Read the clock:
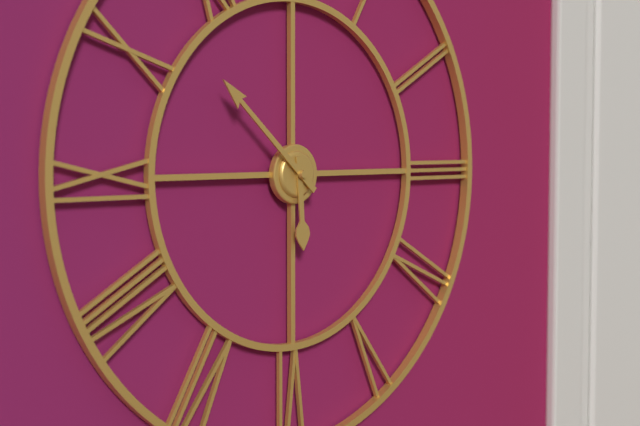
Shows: 5:52
